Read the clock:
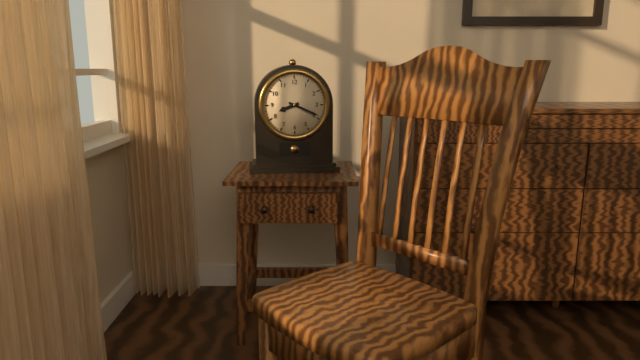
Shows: 8:19
